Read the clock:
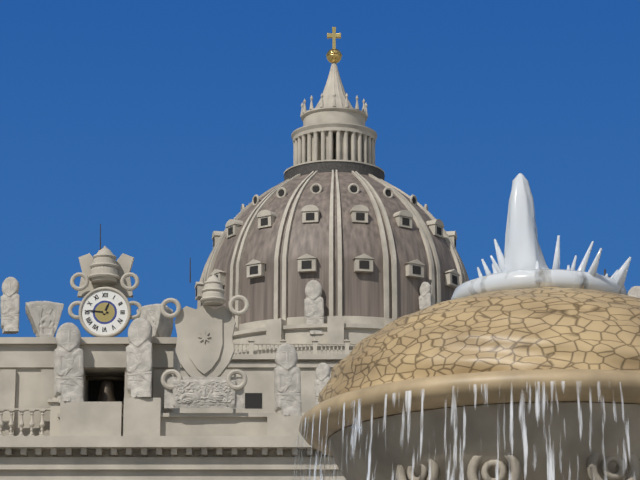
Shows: 12:46
